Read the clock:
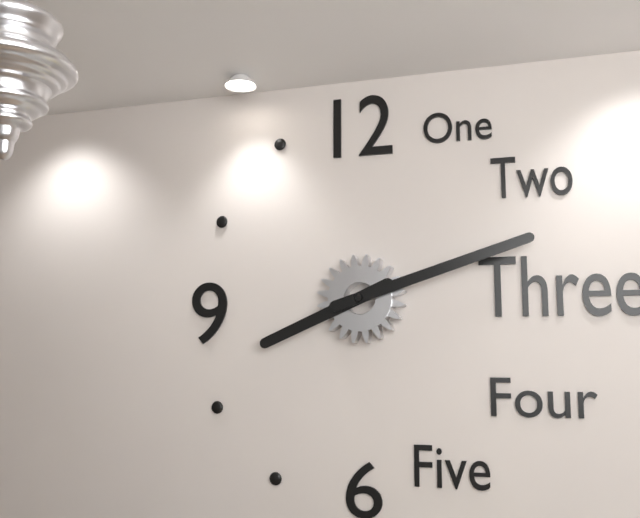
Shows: 8:12
